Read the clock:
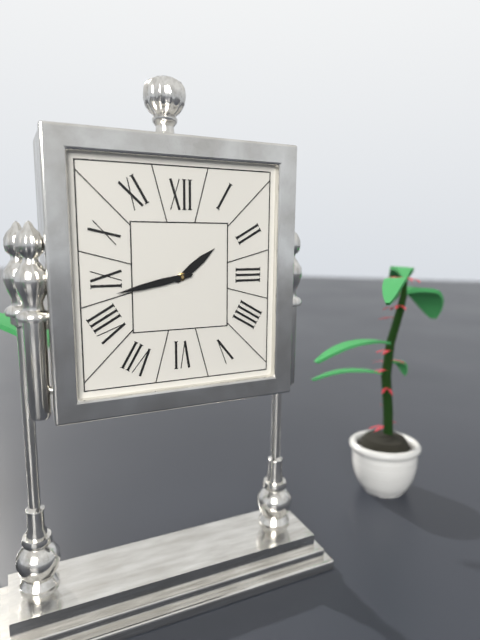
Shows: 1:43
